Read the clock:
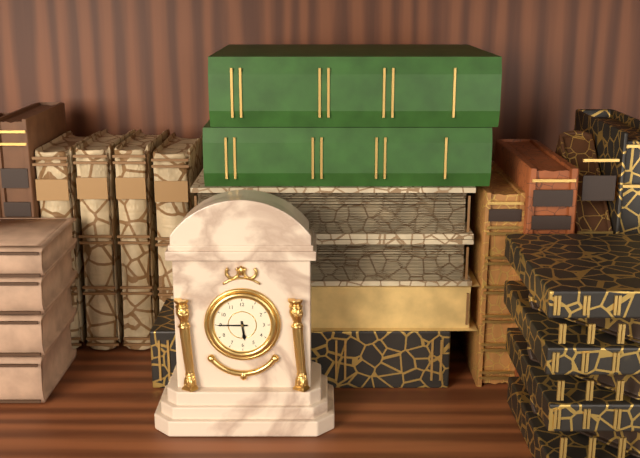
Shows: 5:45
